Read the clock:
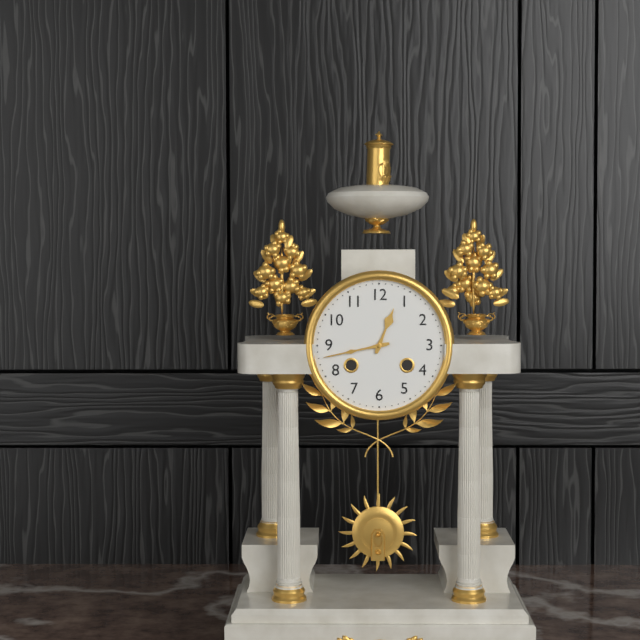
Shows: 12:43
